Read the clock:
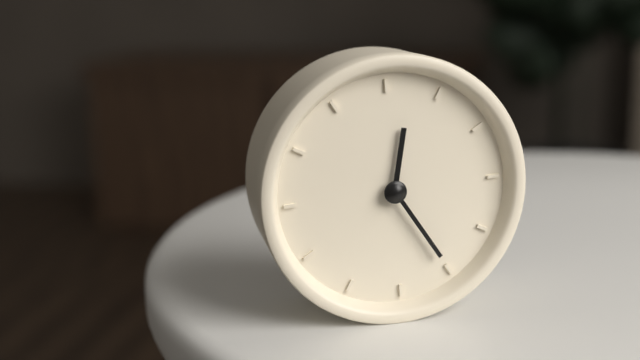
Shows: 12:25
